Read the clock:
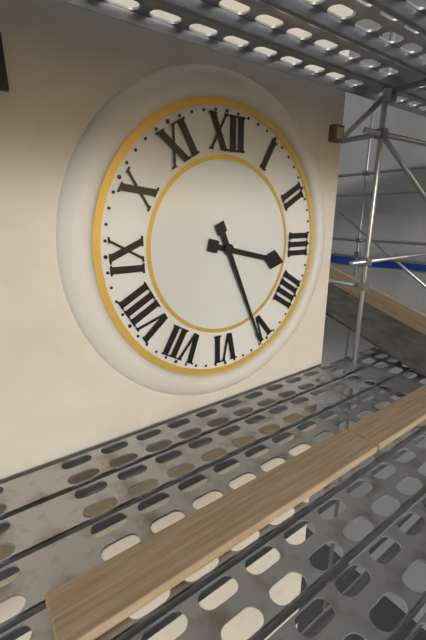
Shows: 3:26
